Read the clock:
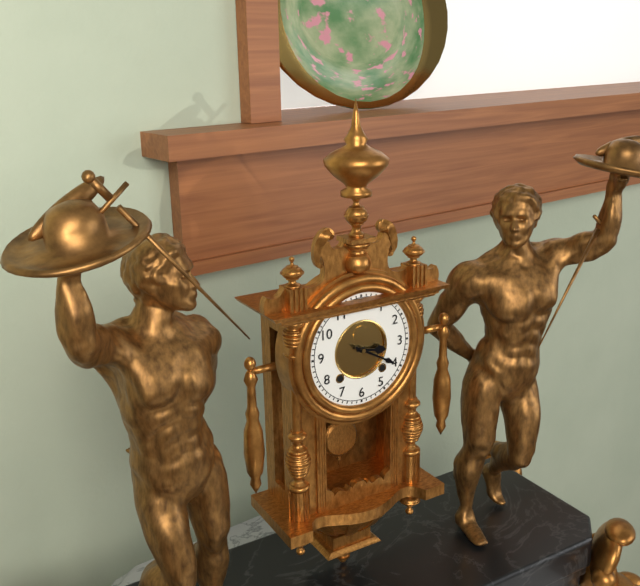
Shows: 3:20
